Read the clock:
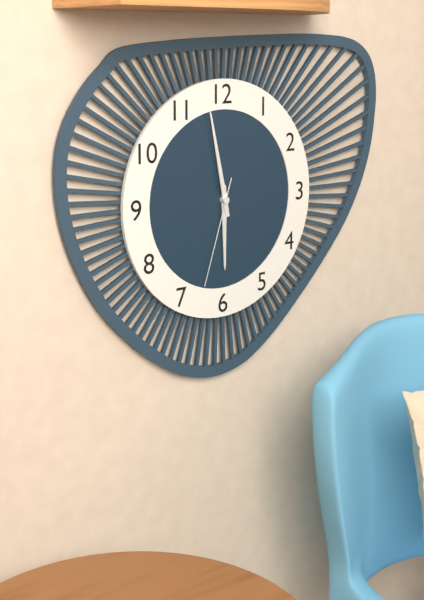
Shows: 5:58:33
